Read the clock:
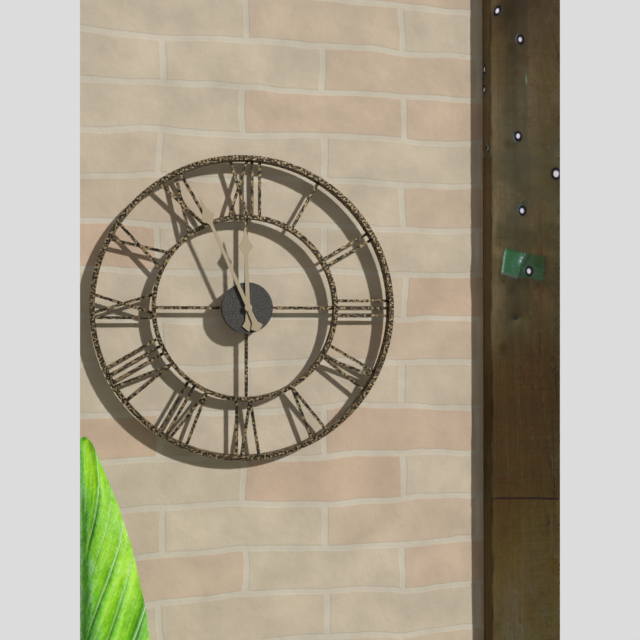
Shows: 11:56
